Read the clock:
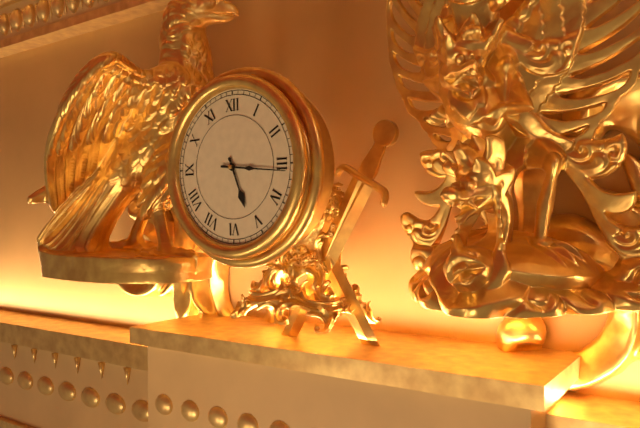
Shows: 5:16
